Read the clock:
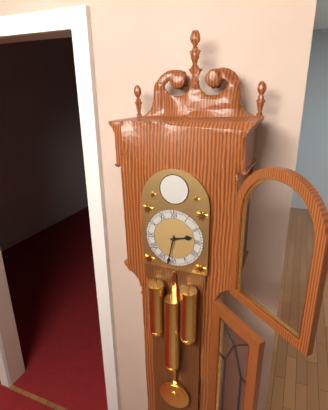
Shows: 2:32
